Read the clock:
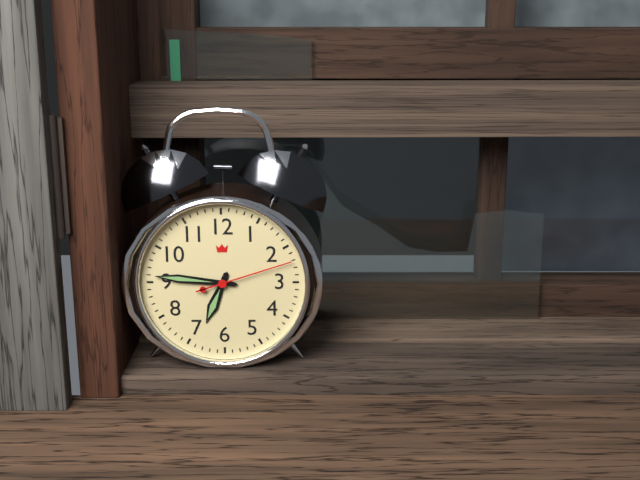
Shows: 6:46:12
